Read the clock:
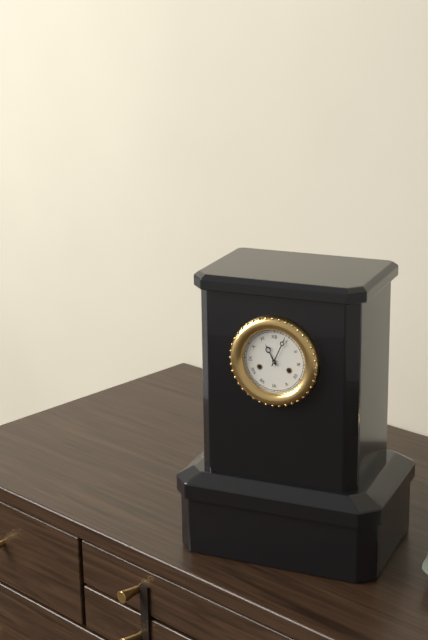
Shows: 11:04
